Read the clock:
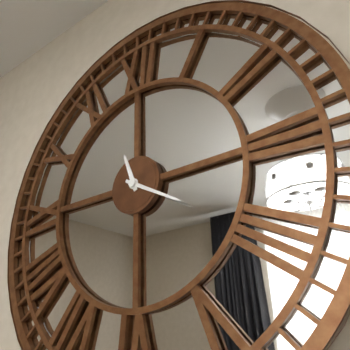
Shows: 11:20
